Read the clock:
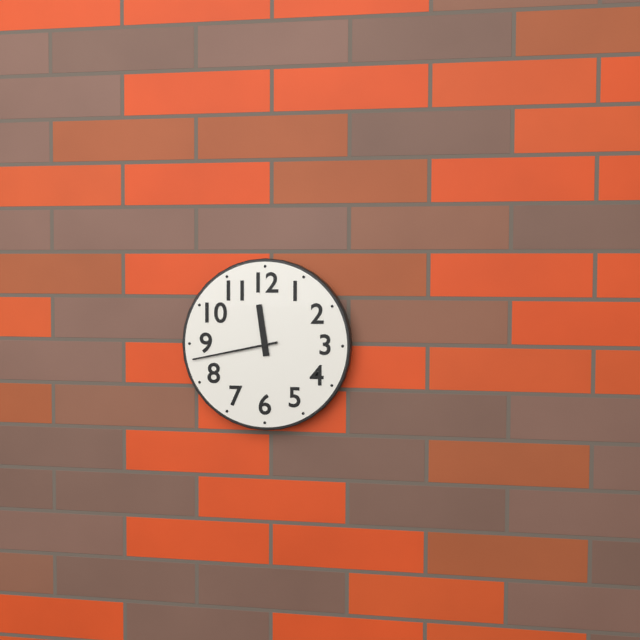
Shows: 11:43
